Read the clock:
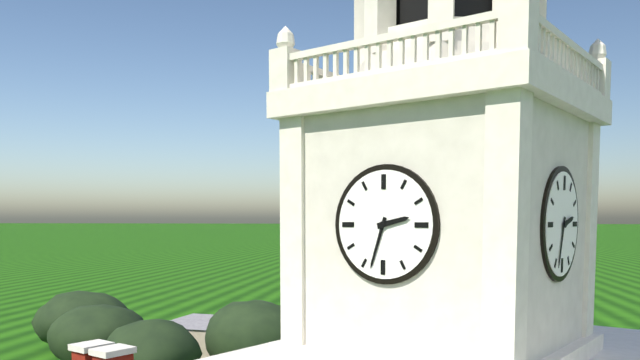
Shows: 2:33
